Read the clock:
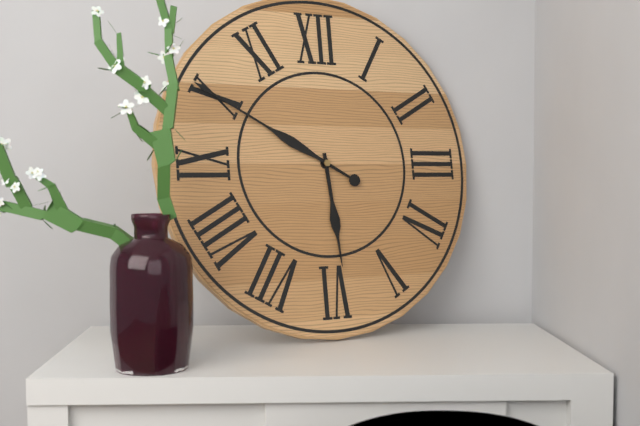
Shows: 5:50
